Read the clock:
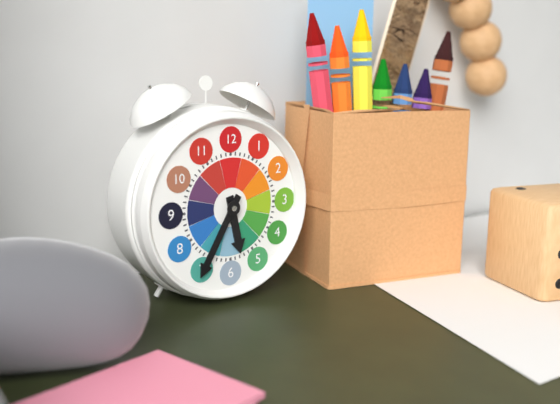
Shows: 5:35
